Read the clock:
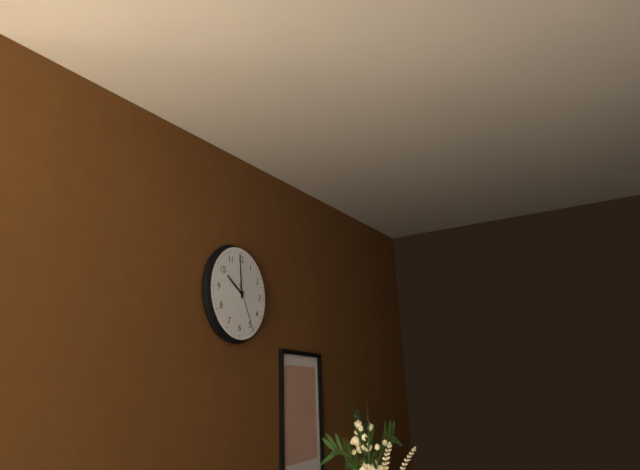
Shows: 9:59
